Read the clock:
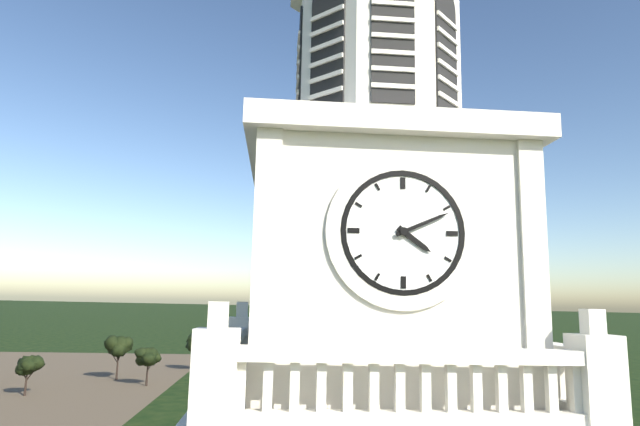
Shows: 4:11
